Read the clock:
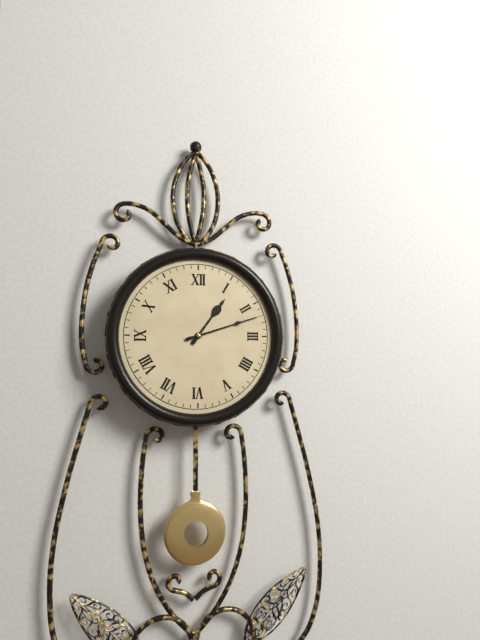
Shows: 1:12
